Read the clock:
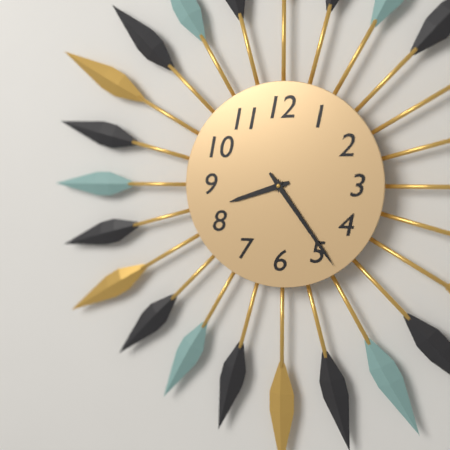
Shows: 8:24
